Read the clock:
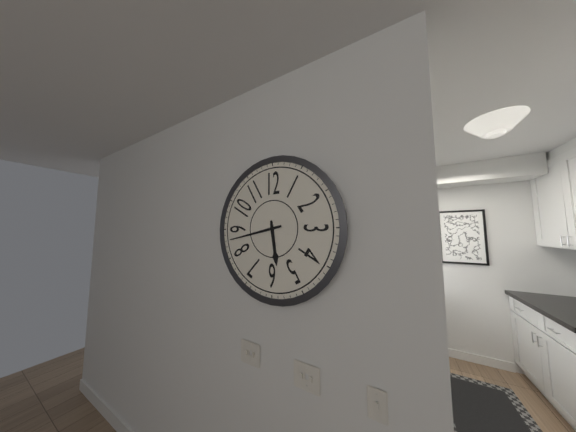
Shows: 5:43
